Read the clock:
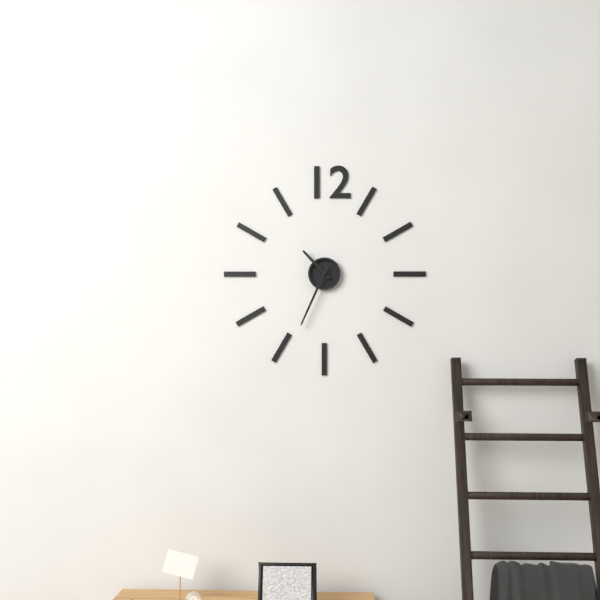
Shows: 10:34
